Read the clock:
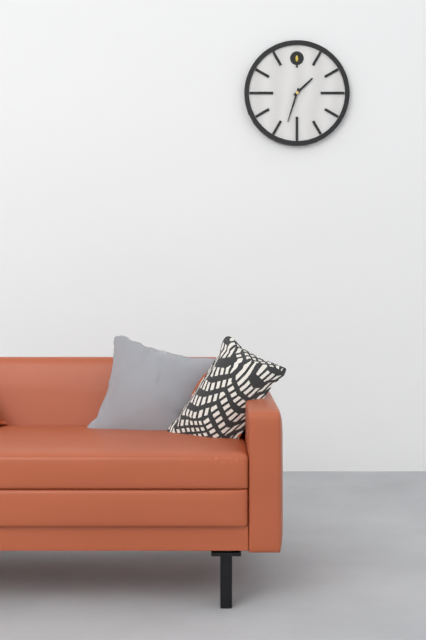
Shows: 1:33
